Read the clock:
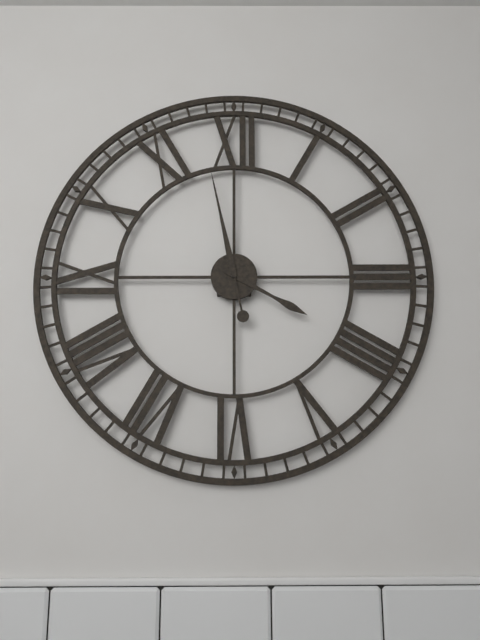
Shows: 3:58
